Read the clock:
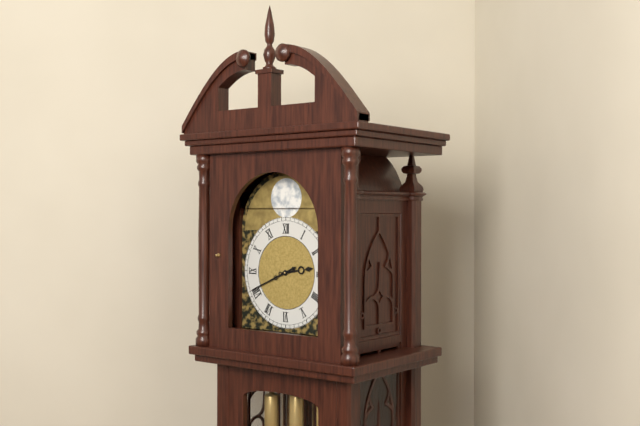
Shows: 2:41
